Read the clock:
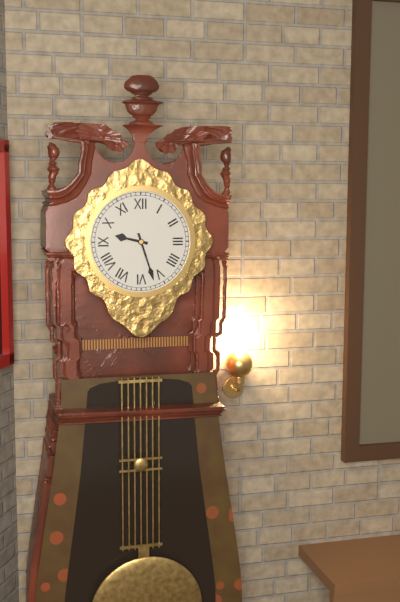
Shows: 9:27
